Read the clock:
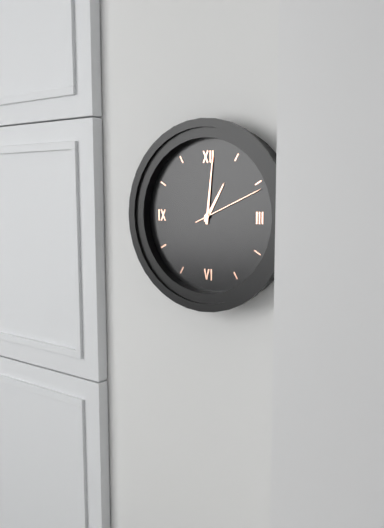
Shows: 1:01:11
